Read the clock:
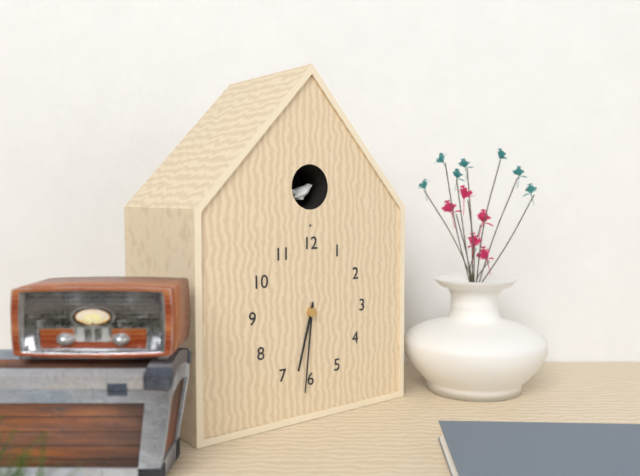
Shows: 6:31
